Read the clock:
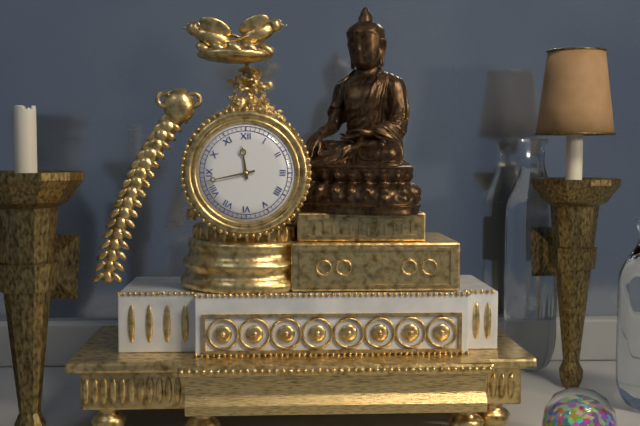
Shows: 11:43
